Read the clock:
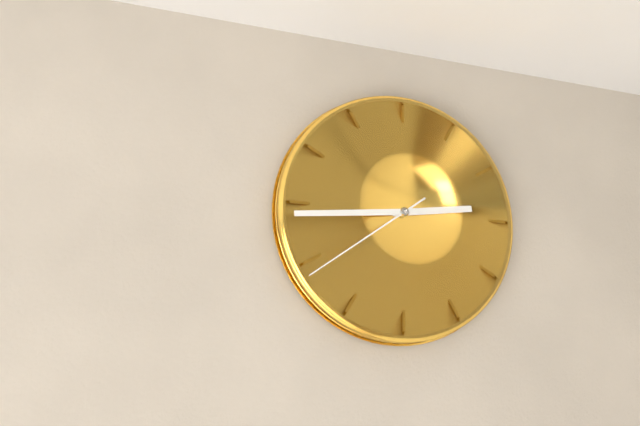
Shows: 2:44:39
